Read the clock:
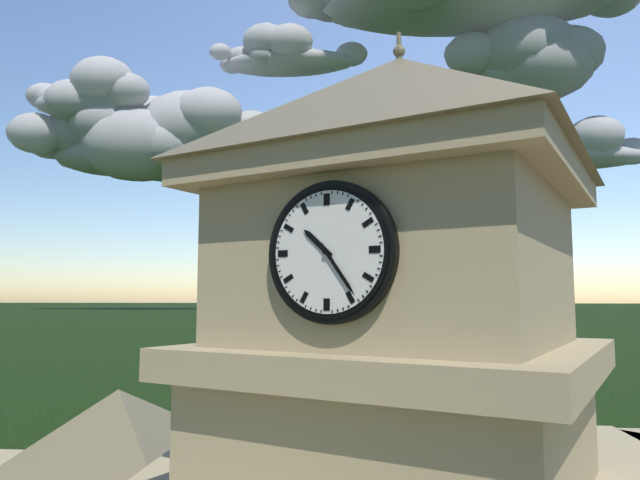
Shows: 10:24
